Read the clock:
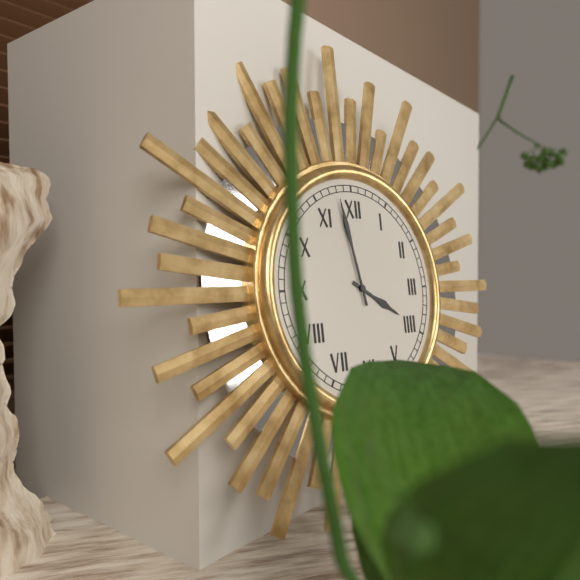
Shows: 3:58
